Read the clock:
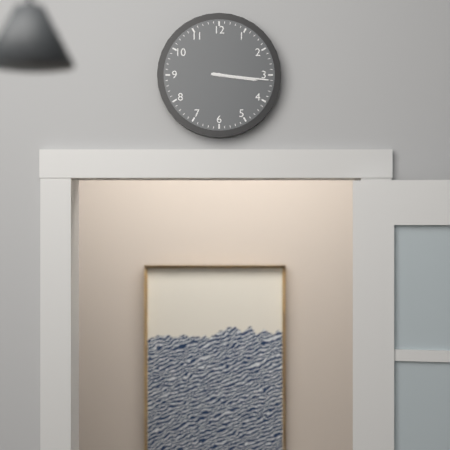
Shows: 3:16
